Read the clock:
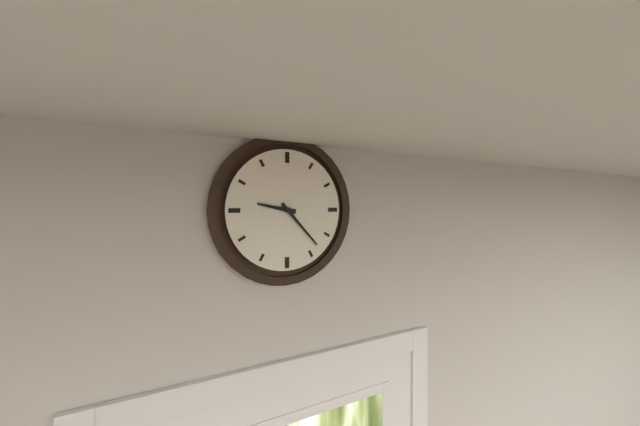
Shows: 9:23
